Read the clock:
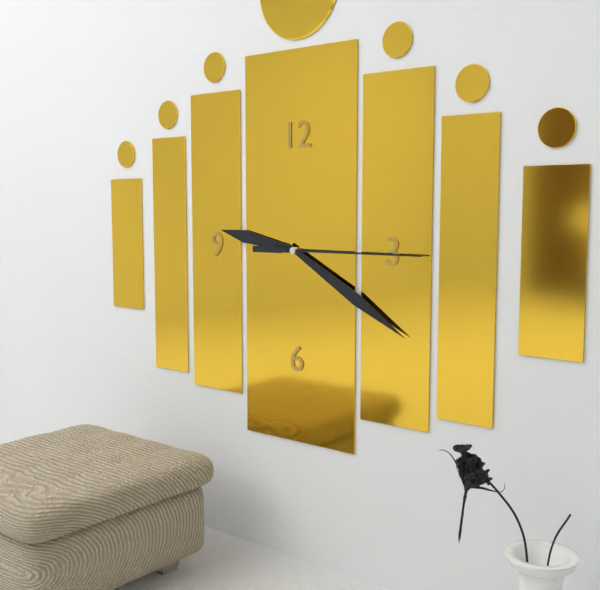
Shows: 9:20:15
